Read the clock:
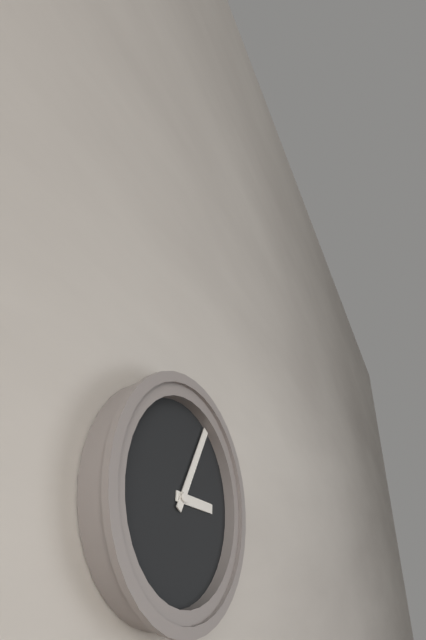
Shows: 3:05
